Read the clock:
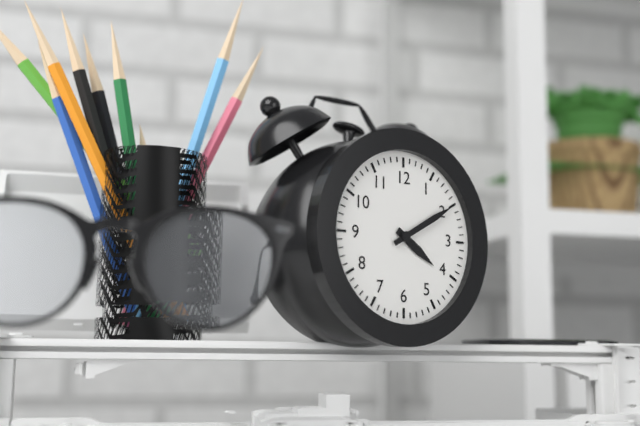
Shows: 4:10
